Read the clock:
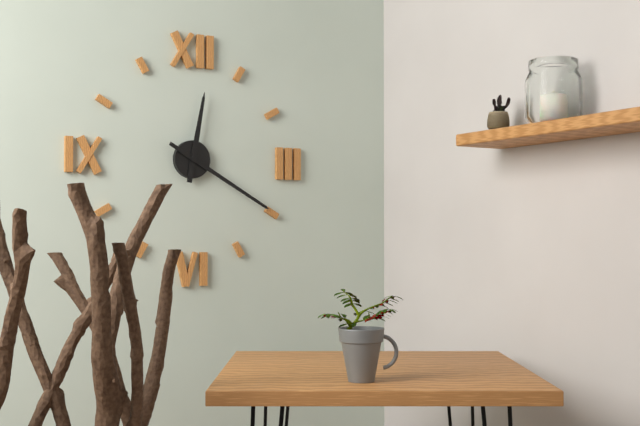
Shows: 12:20
